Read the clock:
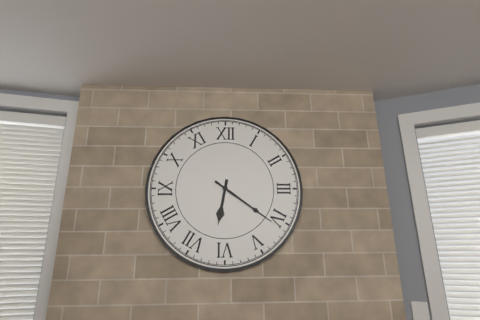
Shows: 6:21
